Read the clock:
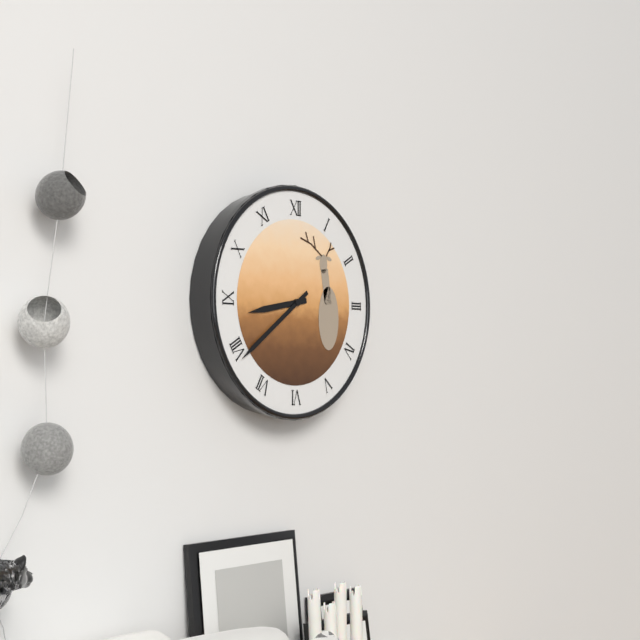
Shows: 8:39
